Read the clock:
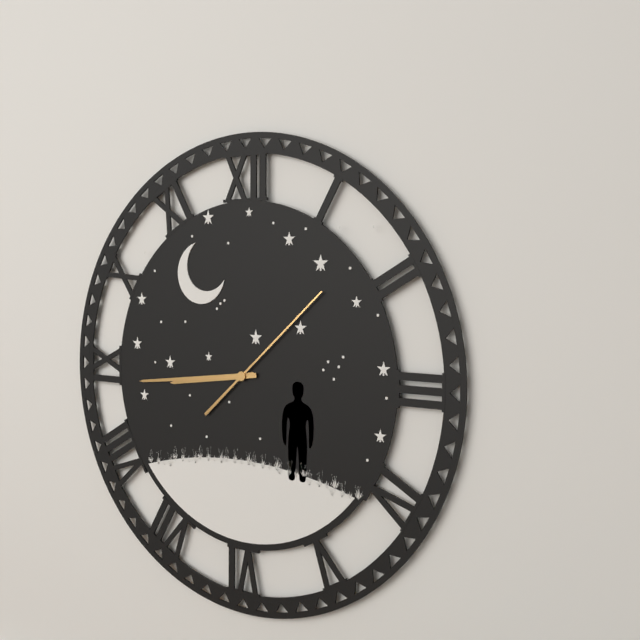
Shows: 8:44:08
